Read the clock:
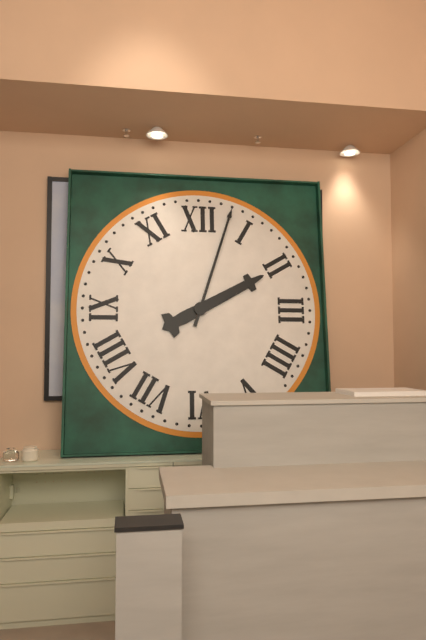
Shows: 2:03
